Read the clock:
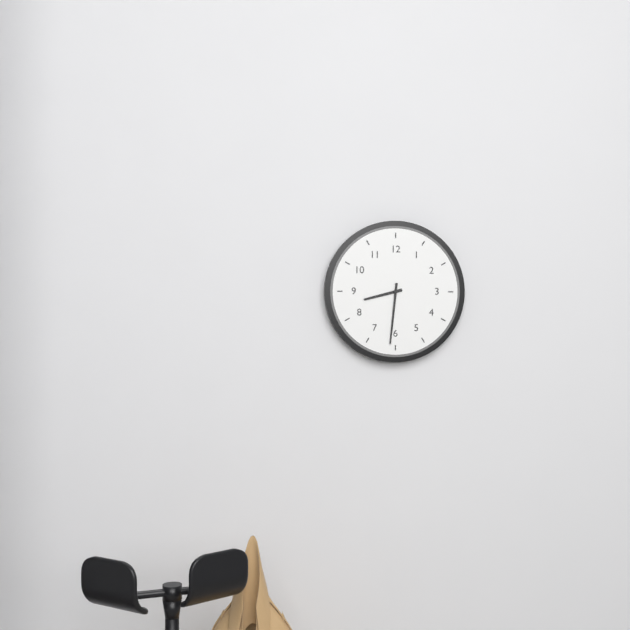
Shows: 8:31
